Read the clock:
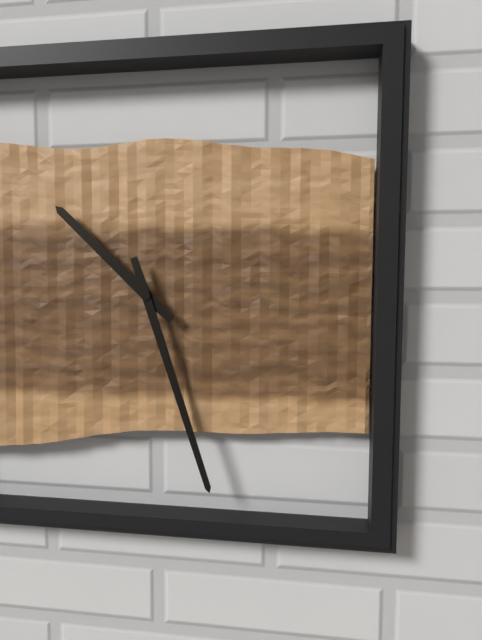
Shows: 10:27
